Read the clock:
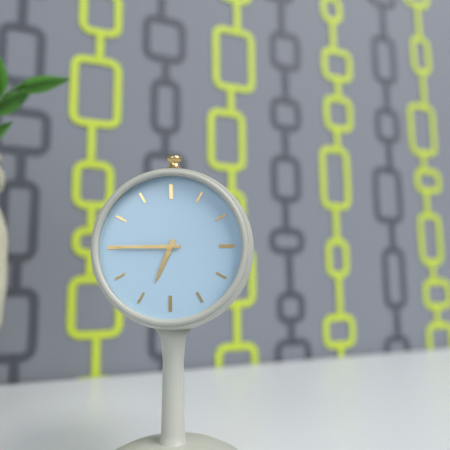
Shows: 6:45
